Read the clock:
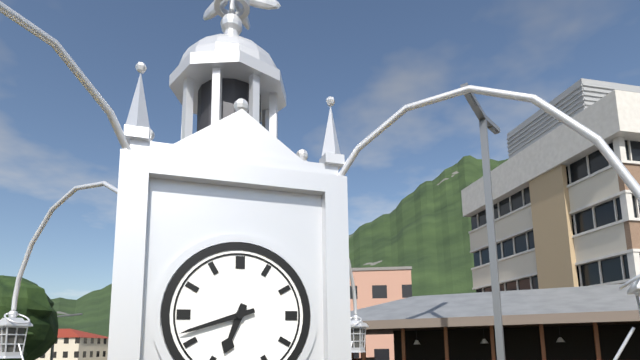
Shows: 6:42
